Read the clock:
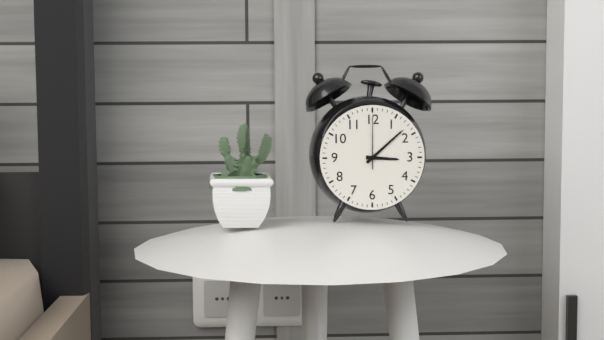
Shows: 3:08:00
